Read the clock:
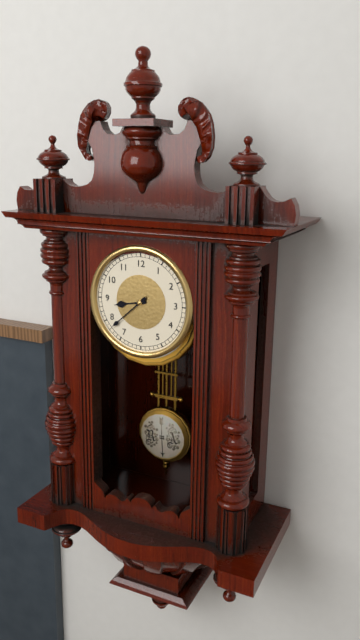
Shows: 8:38
